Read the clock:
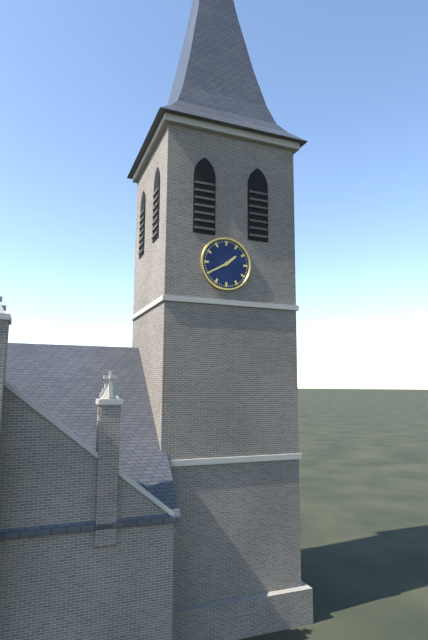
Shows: 1:40
